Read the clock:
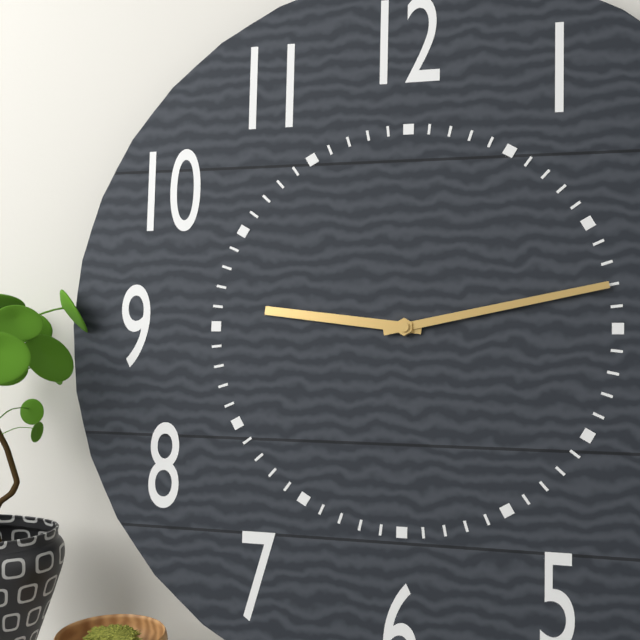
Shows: 9:13
